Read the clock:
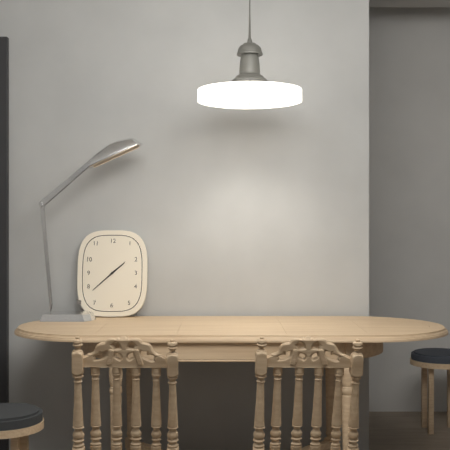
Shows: 1:38
